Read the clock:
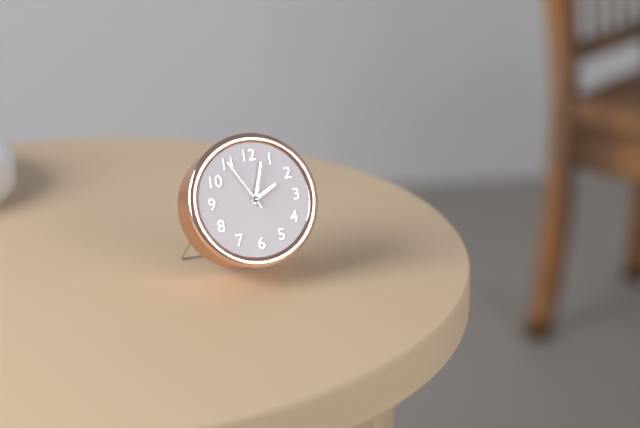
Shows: 2:03:55
